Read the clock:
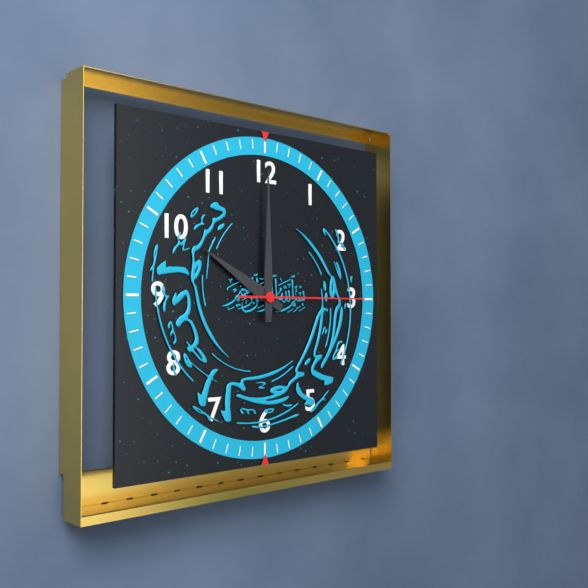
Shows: 10:00:15
